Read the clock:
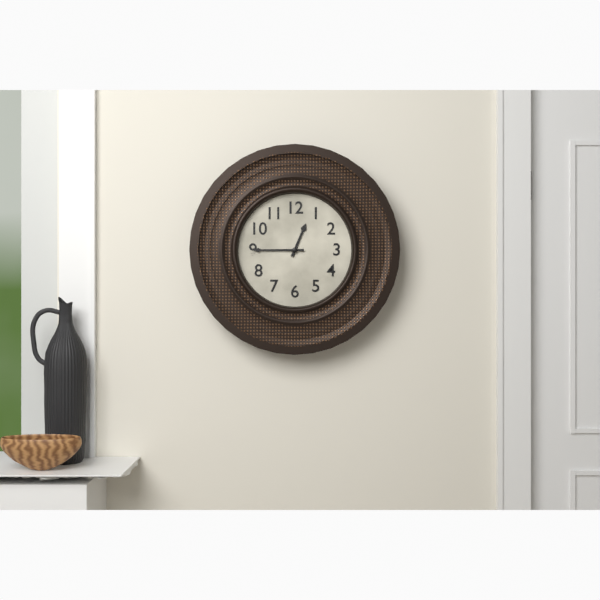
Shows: 12:45
